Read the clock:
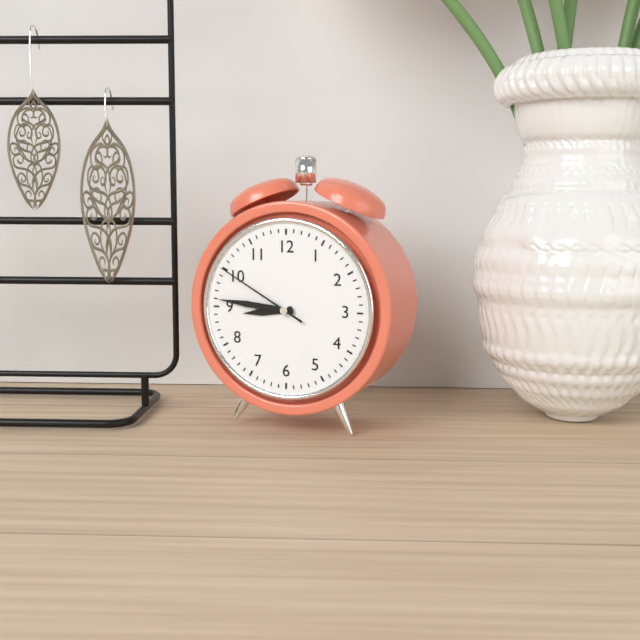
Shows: 8:46:50
